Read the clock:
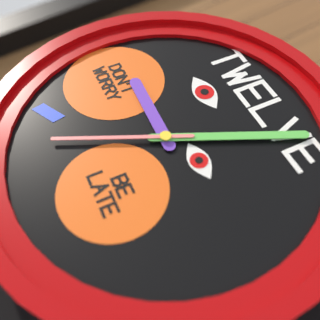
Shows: 9:04:34
